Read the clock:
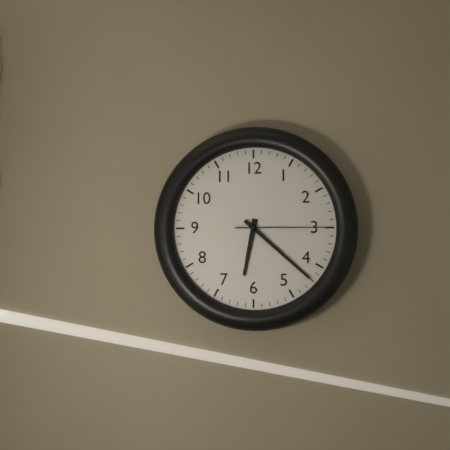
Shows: 6:22:15
